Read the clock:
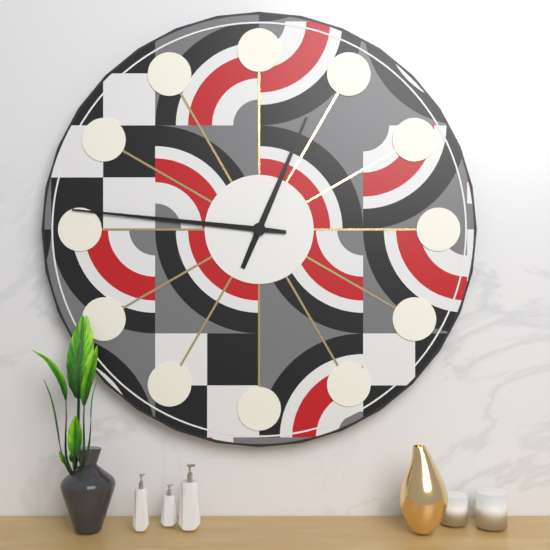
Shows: 12:46
